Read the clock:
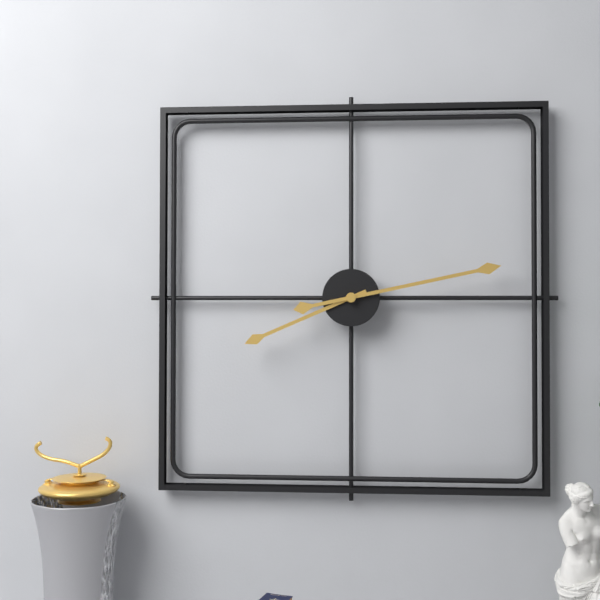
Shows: 8:13
